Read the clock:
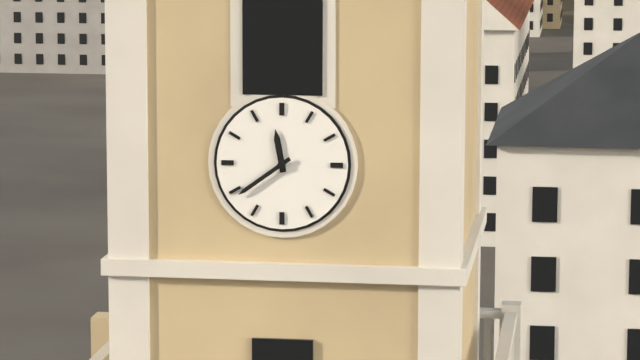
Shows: 11:39
